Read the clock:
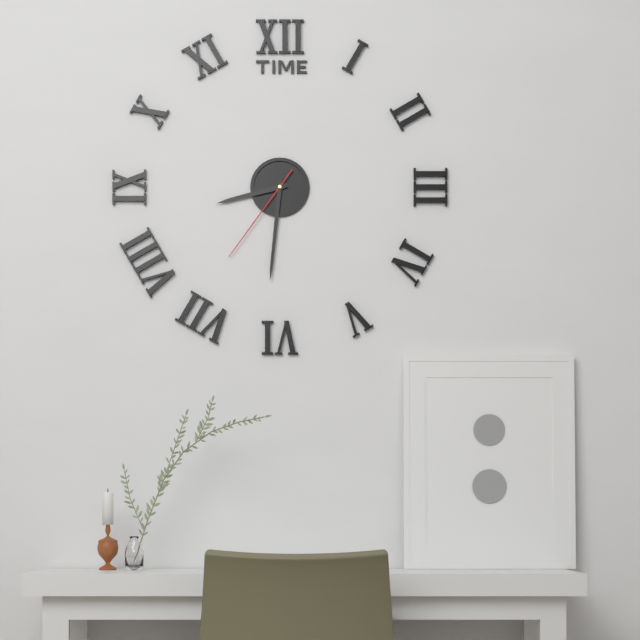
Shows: 8:31:36
